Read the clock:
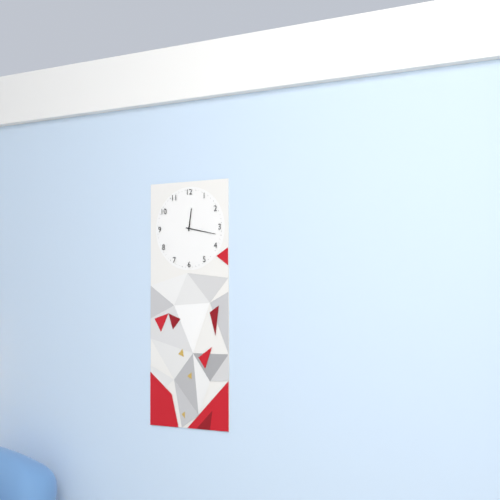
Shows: 12:17
